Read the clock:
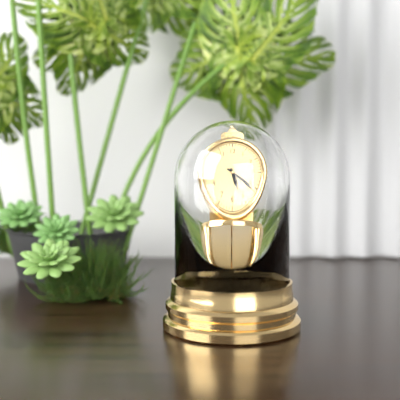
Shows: 5:21
